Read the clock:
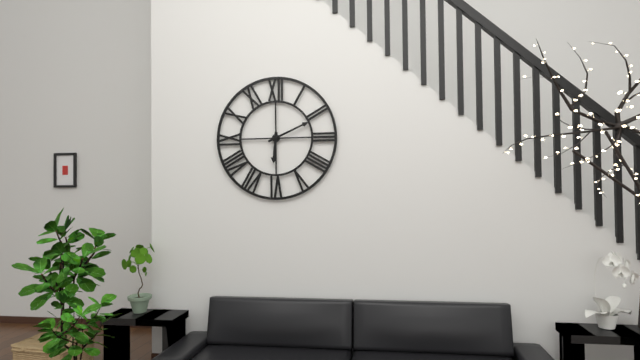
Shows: 6:11
